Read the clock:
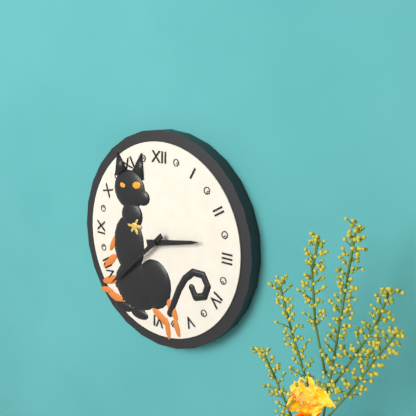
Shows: 2:38
